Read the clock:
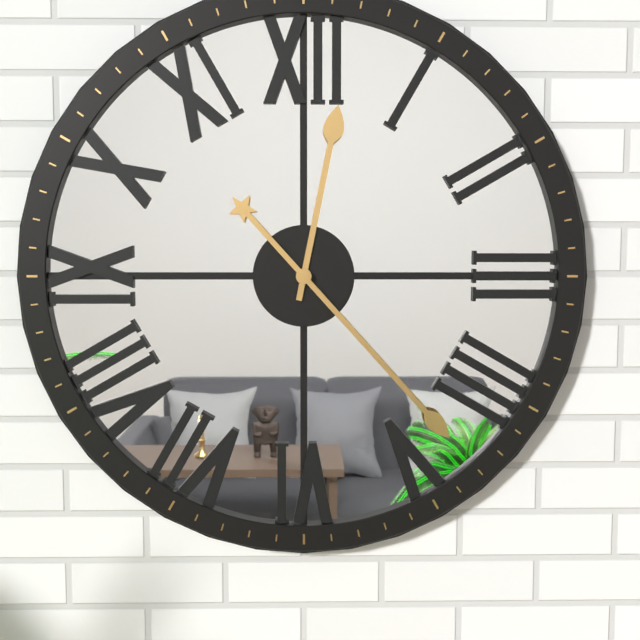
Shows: 12:23
